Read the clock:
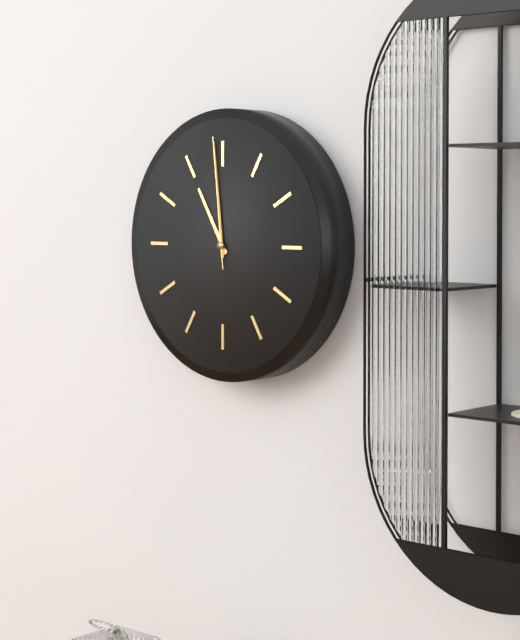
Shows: 10:59:59
